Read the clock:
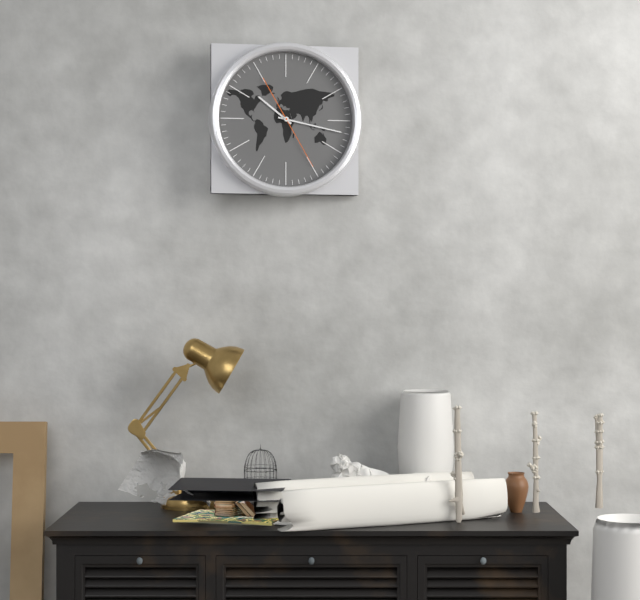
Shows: 10:17:25
